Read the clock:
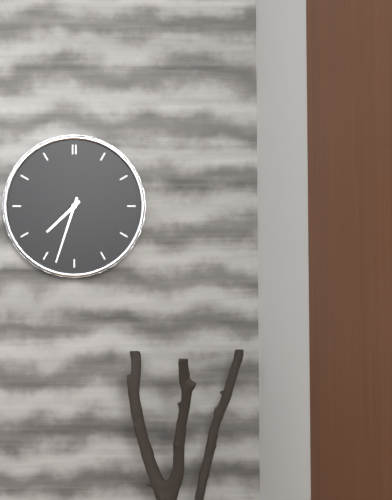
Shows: 7:33
